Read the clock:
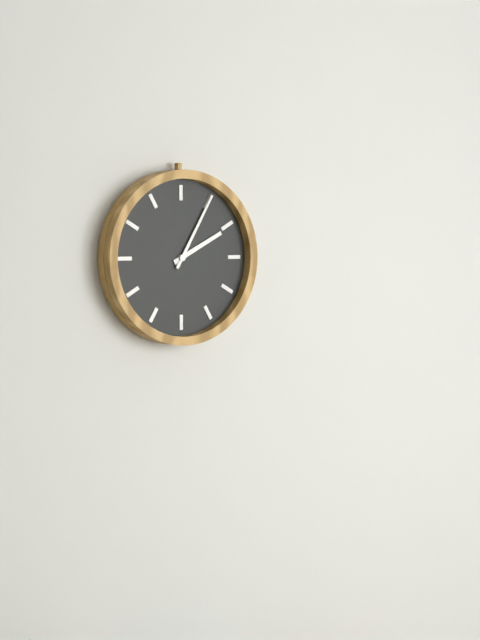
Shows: 2:05
